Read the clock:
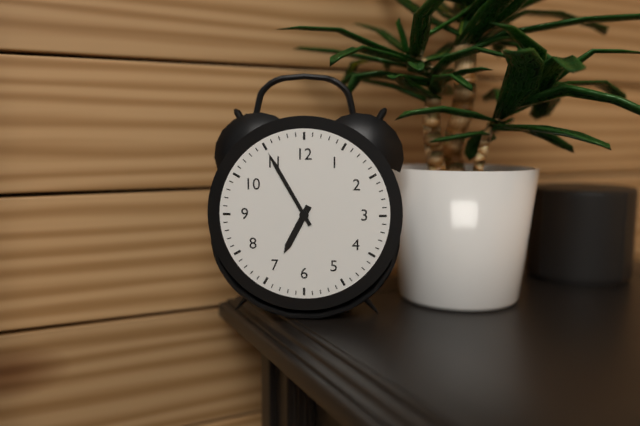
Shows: 6:55
